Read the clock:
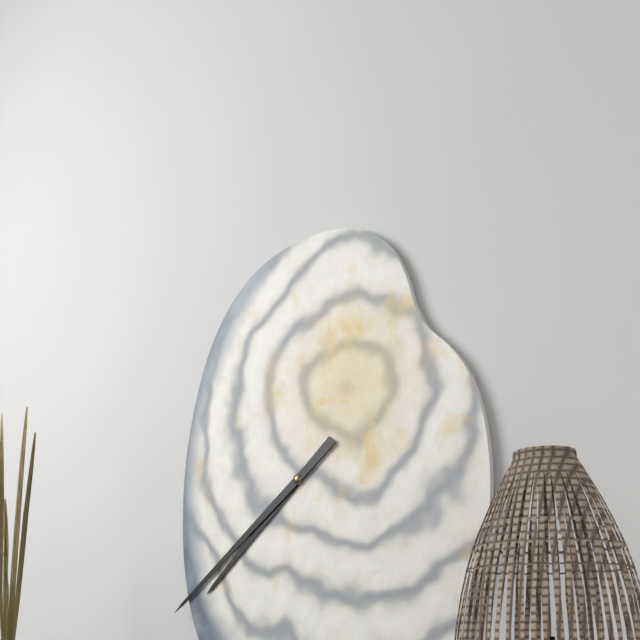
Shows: 7:39
